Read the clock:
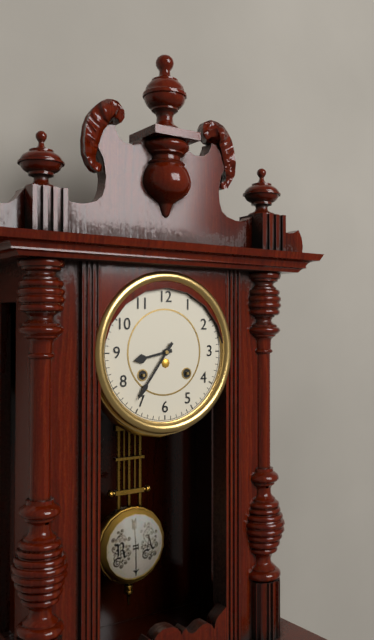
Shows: 8:36
